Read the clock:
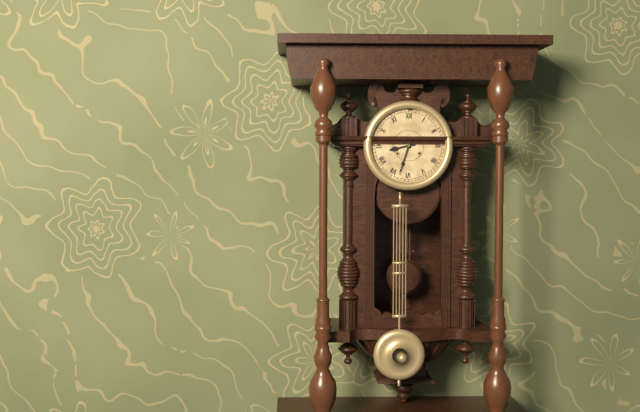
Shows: 8:33
